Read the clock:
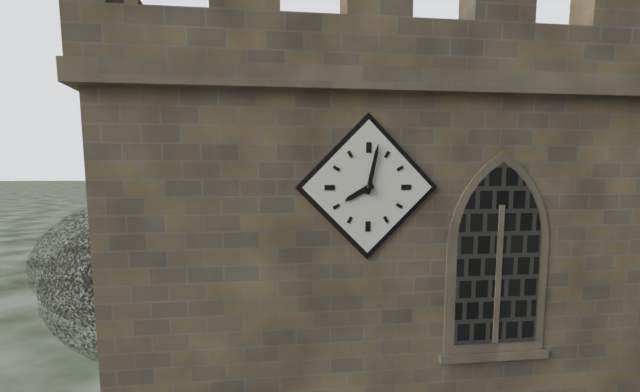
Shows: 8:02
